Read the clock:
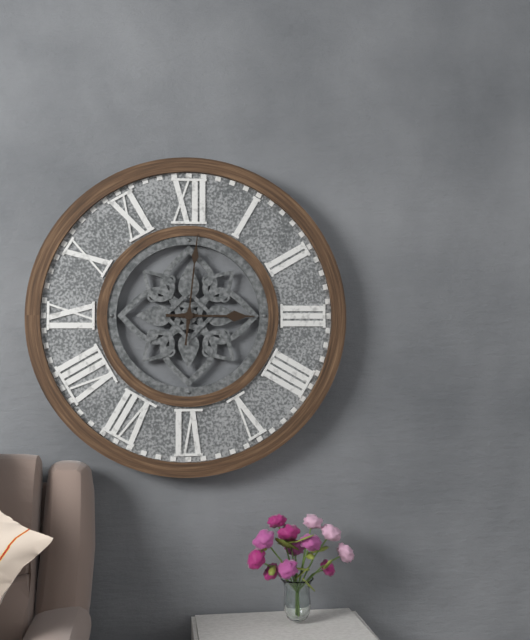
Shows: 3:01
